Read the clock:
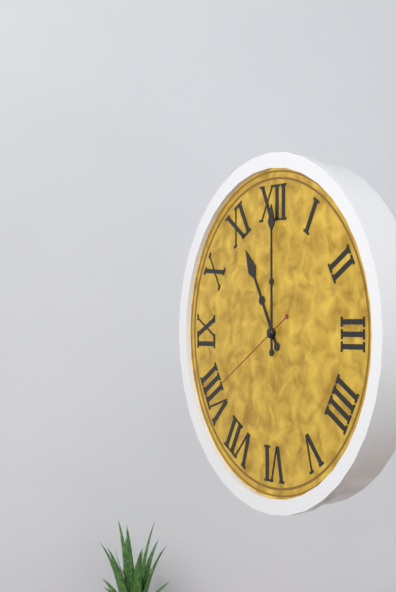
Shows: 11:00:40
